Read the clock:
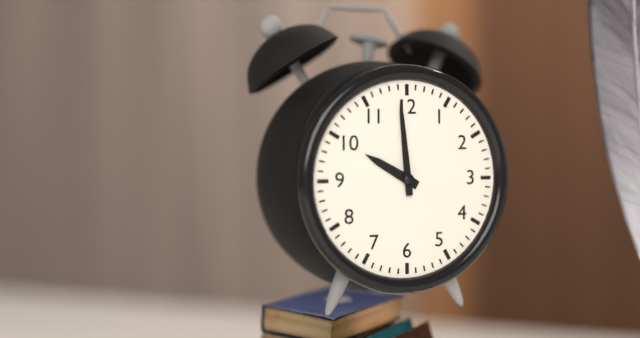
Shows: 9:59
